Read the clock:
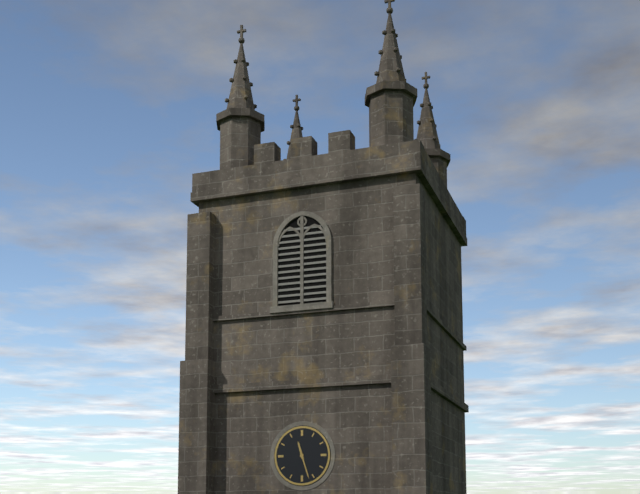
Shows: 11:27
